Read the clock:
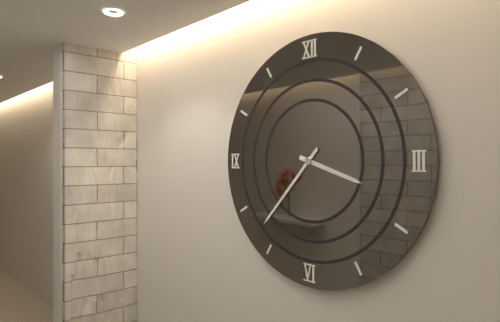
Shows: 3:37
